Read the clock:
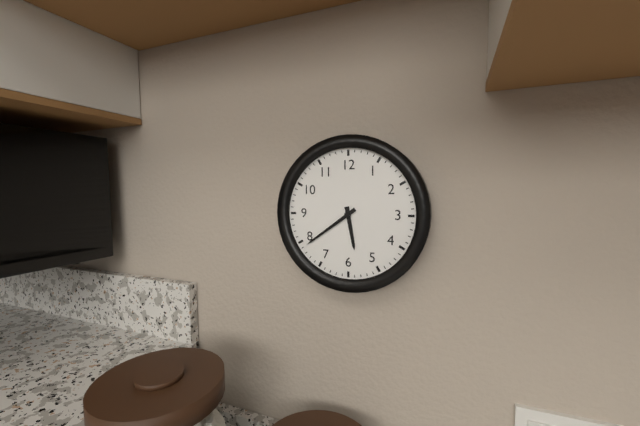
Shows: 5:39
